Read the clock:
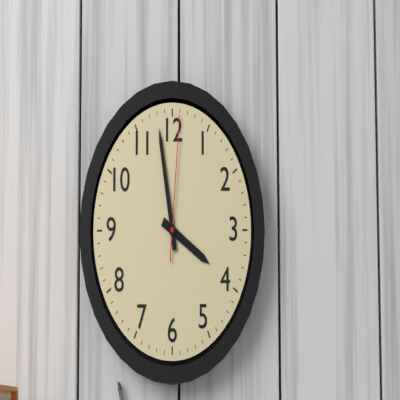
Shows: 3:58:01
